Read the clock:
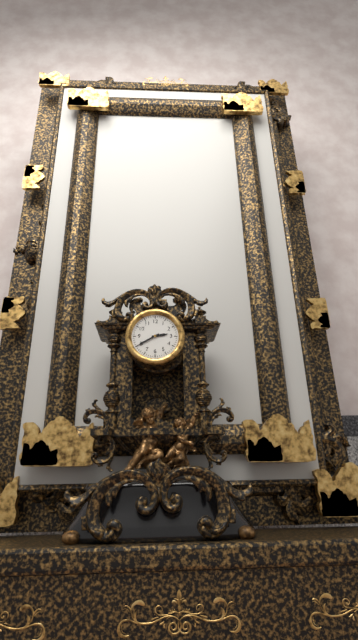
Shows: 2:40
